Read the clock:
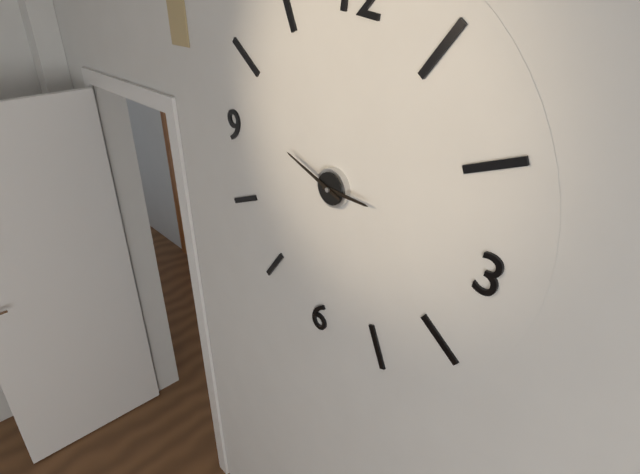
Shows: 2:47
